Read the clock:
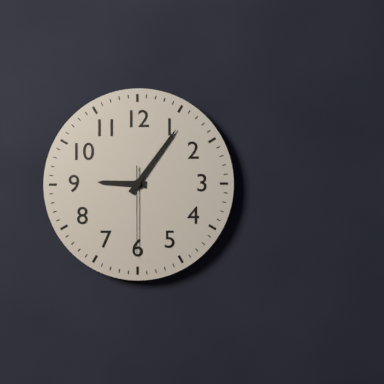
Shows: 9:06:30
